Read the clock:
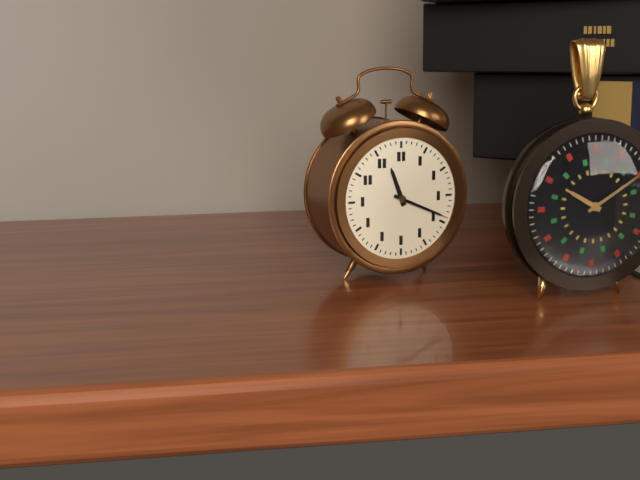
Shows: 11:19
